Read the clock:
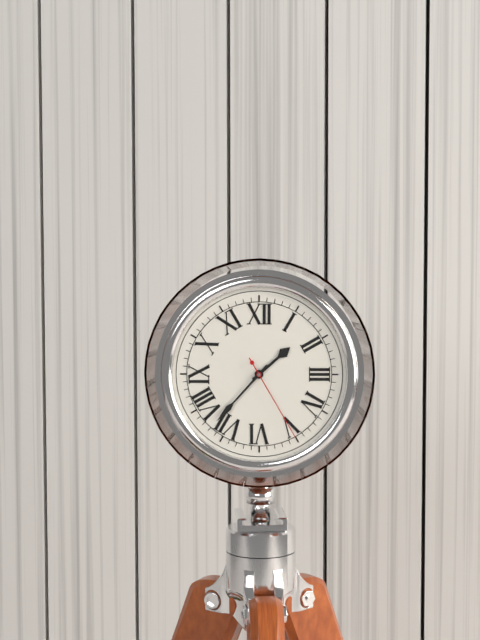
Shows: 1:37:25
